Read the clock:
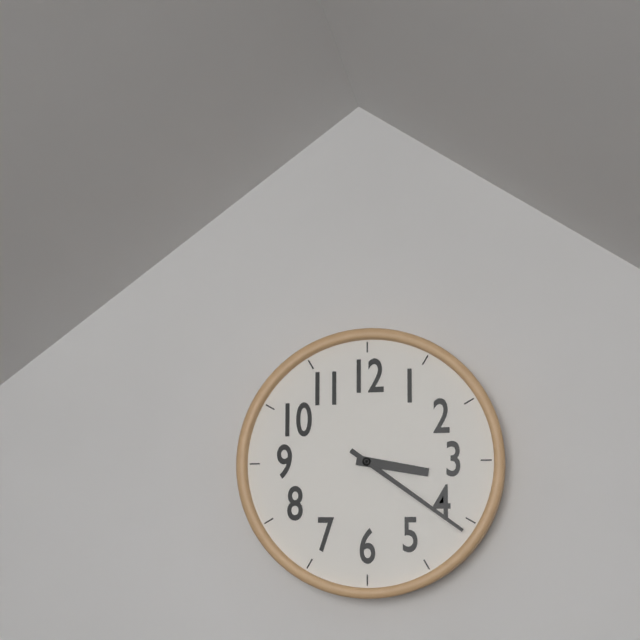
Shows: 3:21
